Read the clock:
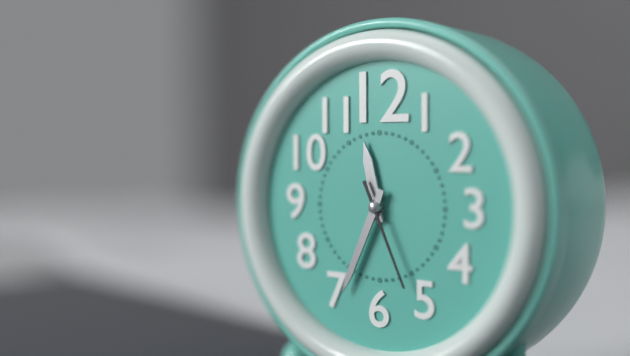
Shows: 11:34:26
